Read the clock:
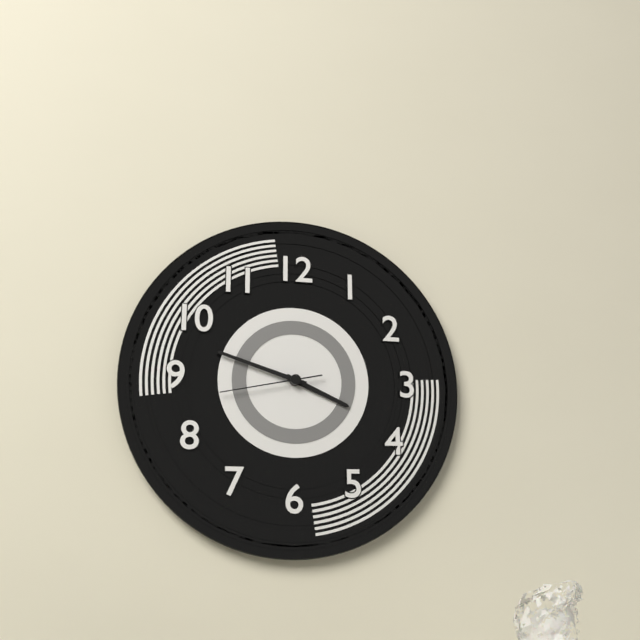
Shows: 3:48:43
